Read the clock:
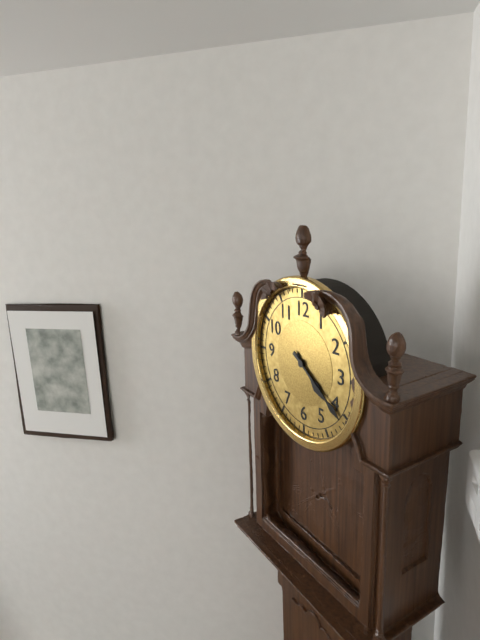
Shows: 4:21
